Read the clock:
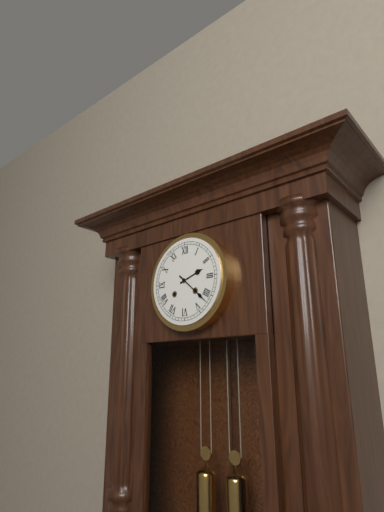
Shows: 2:22
